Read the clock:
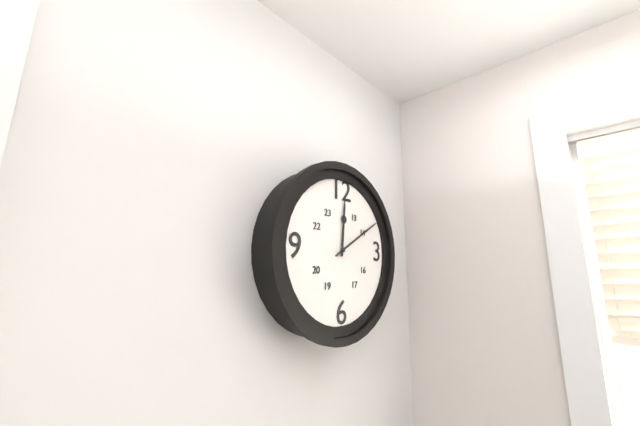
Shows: 12:10
